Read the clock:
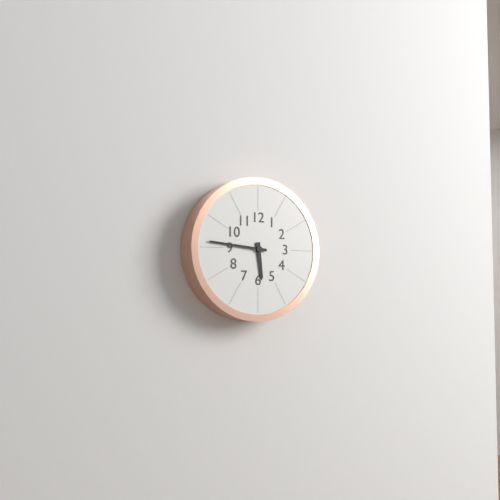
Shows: 5:46
